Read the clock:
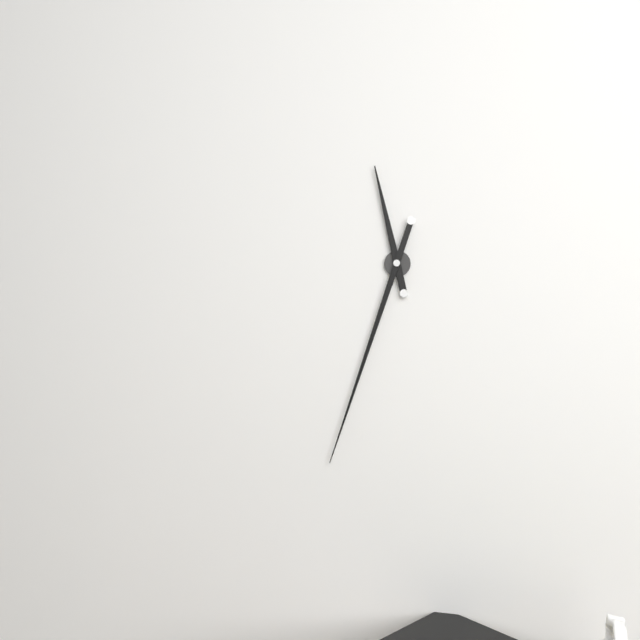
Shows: 11:33
